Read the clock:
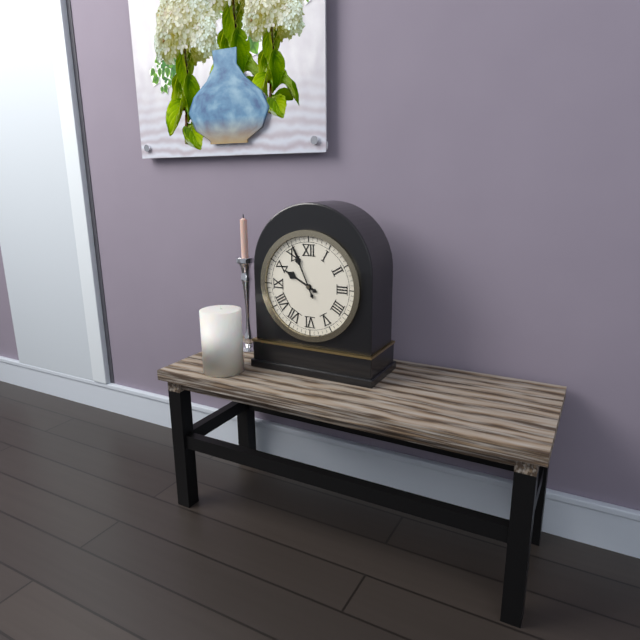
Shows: 9:56
